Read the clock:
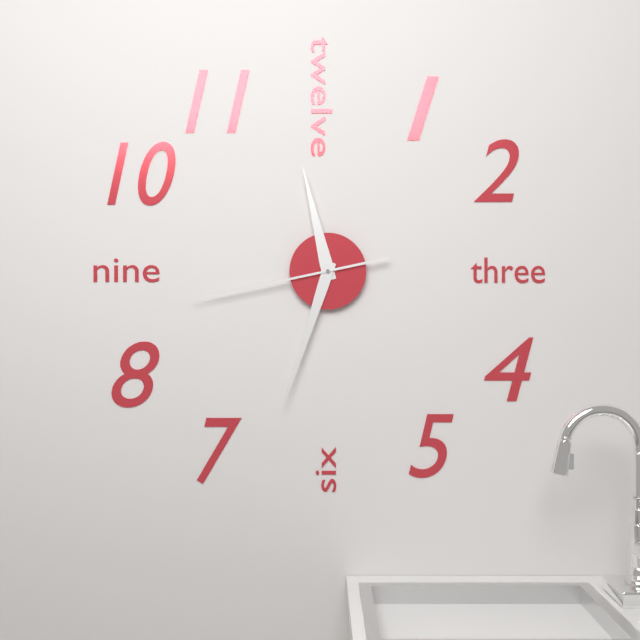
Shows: 11:33:43
